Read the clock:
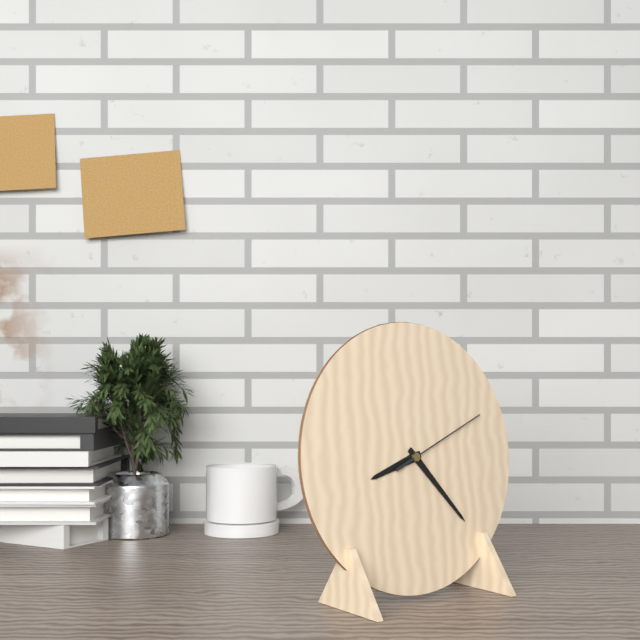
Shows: 8:23:11
